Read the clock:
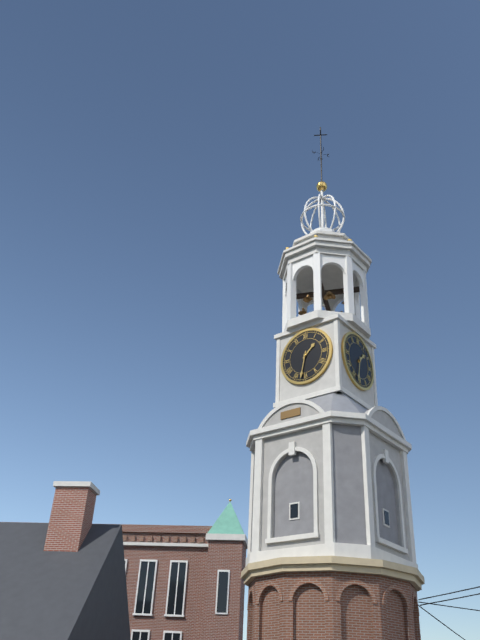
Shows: 1:32
